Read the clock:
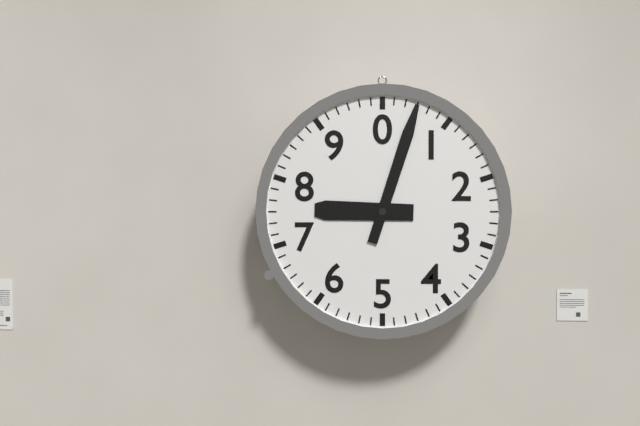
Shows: 9:03
